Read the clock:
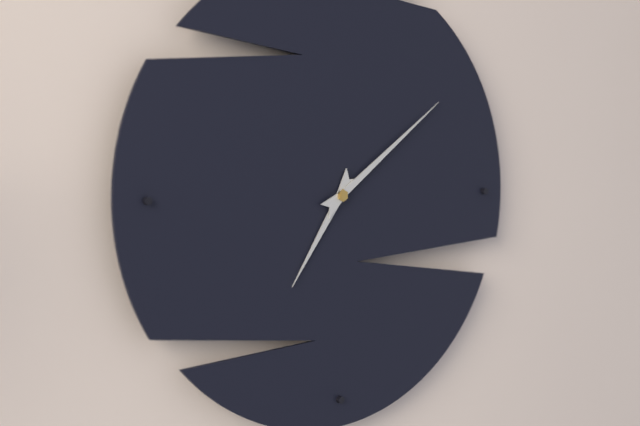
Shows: 7:09
